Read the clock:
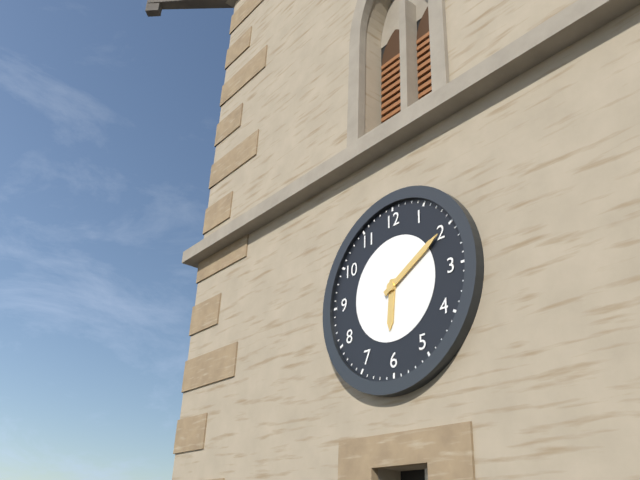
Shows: 6:10
